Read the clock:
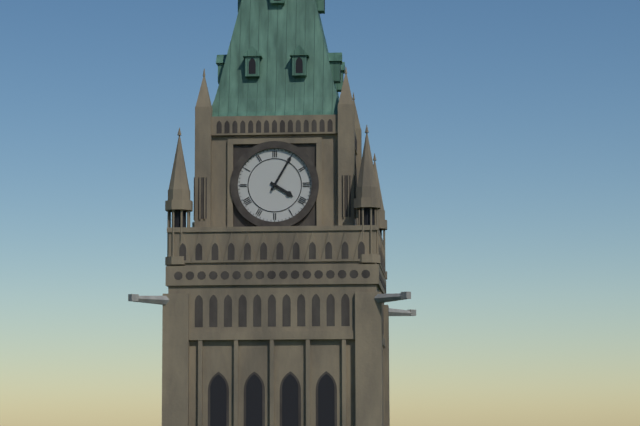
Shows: 4:05
